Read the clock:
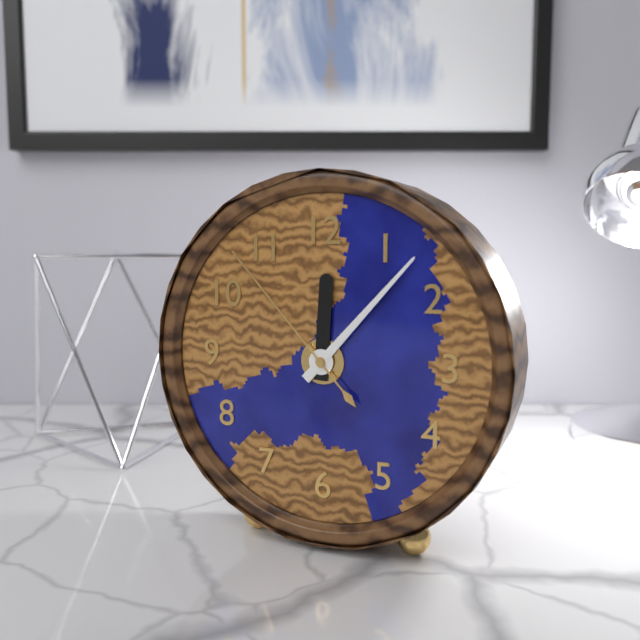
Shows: 12:07:53
